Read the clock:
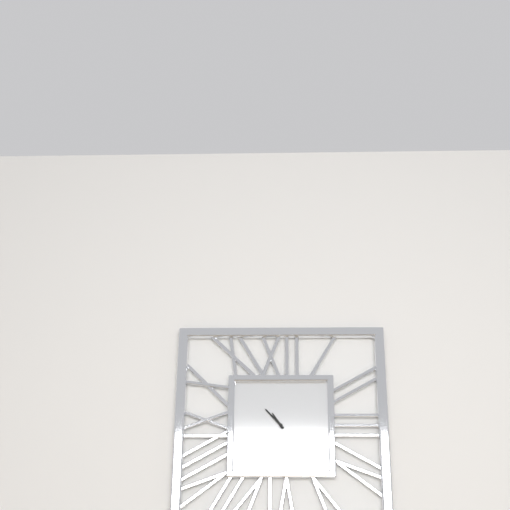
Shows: 10:53
